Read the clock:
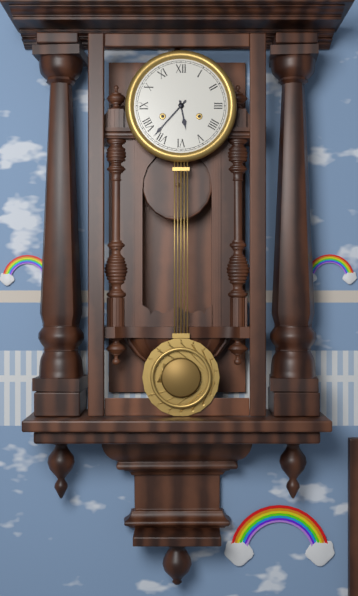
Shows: 5:37
